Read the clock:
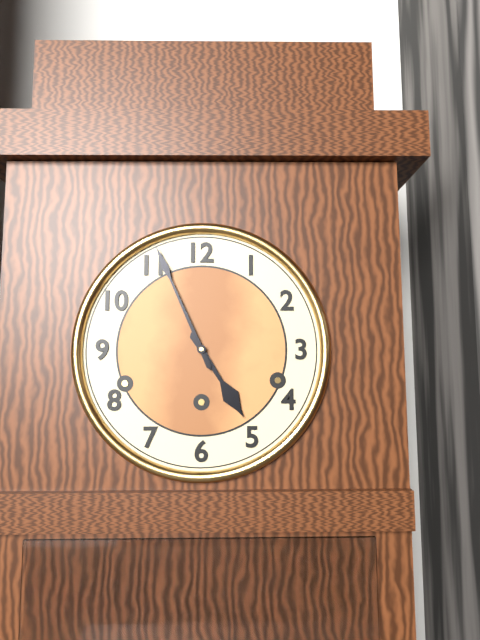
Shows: 4:56
